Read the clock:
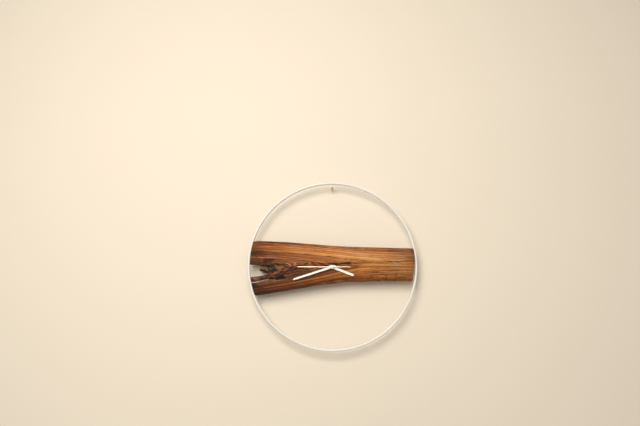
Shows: 3:42
